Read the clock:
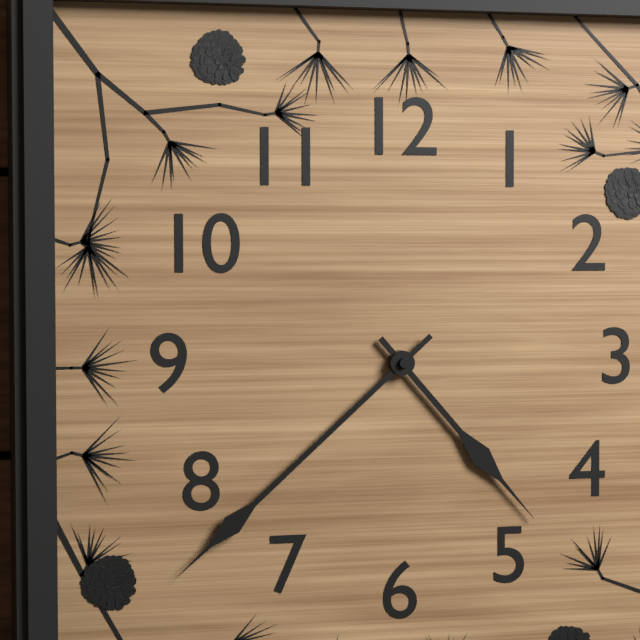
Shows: 4:38
